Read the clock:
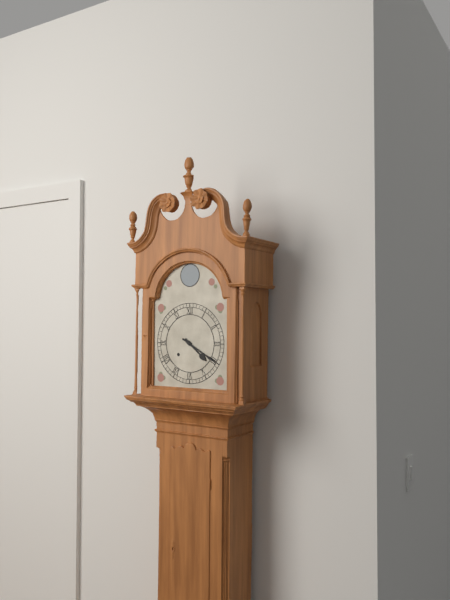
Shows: 4:20
